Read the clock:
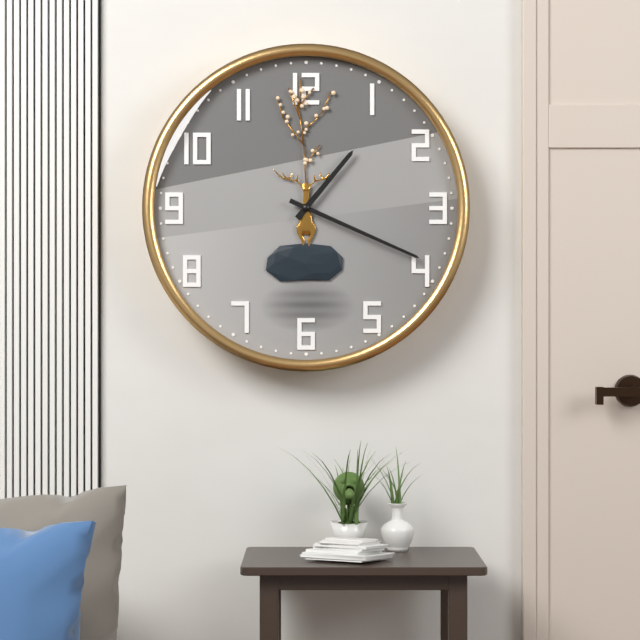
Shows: 1:19
